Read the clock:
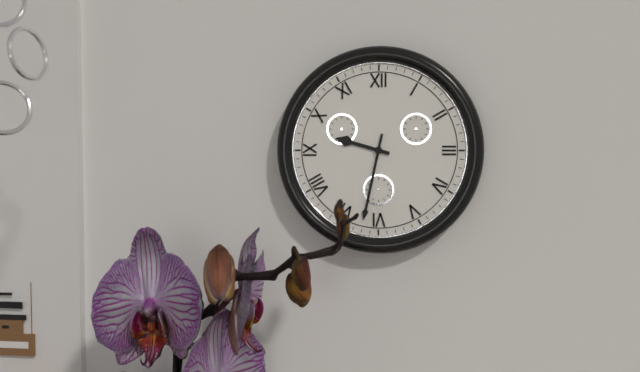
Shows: 9:32
